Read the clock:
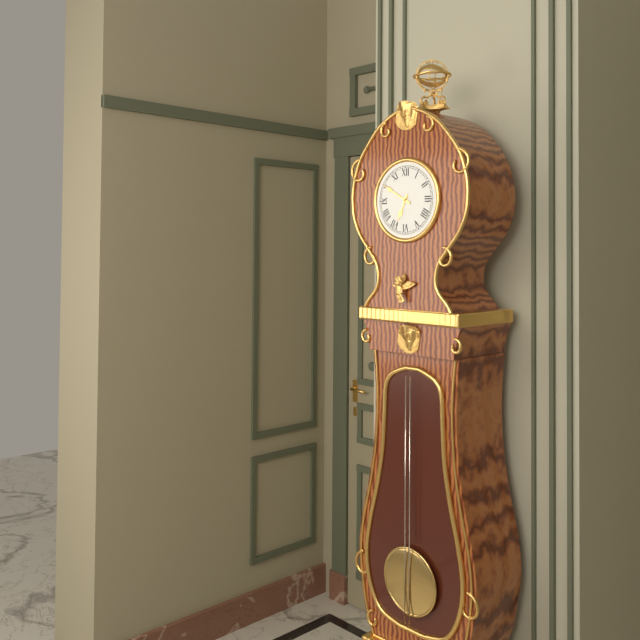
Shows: 6:50
